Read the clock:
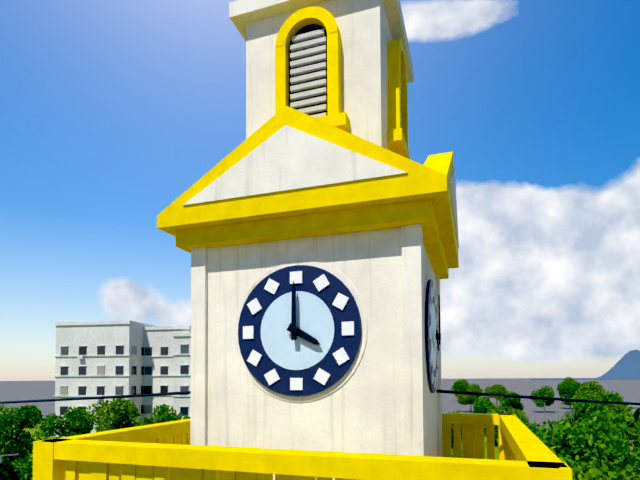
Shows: 4:00
